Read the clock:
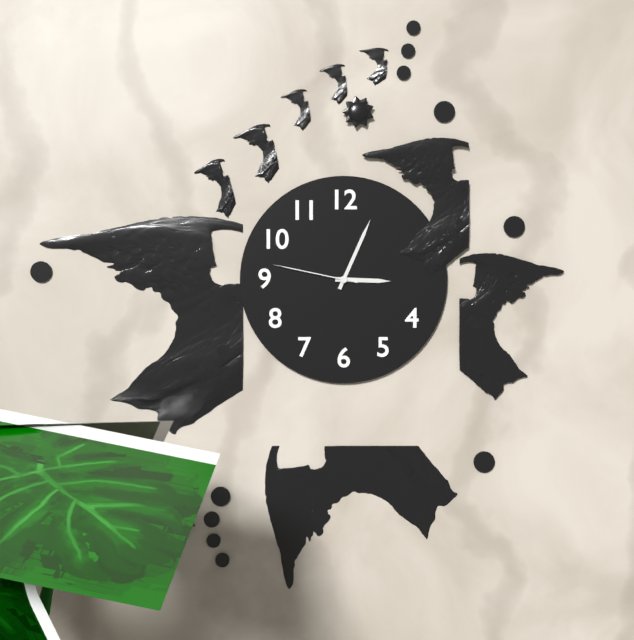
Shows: 3:04:47
